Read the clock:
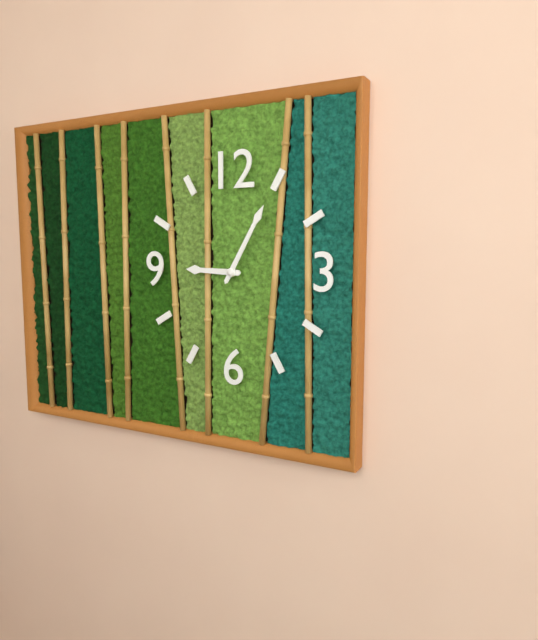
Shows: 9:05
